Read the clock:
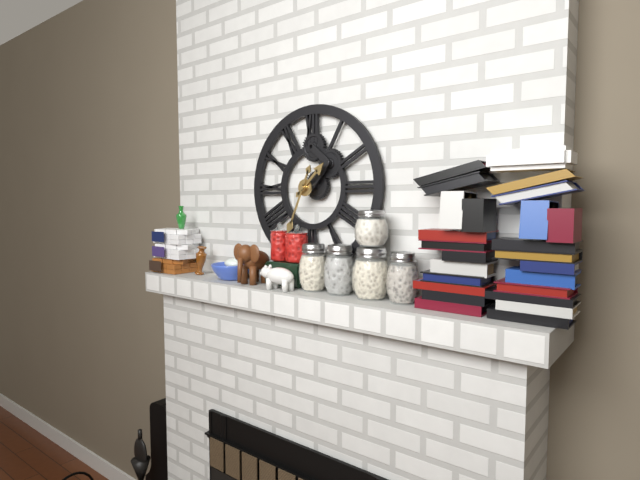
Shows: 1:34
